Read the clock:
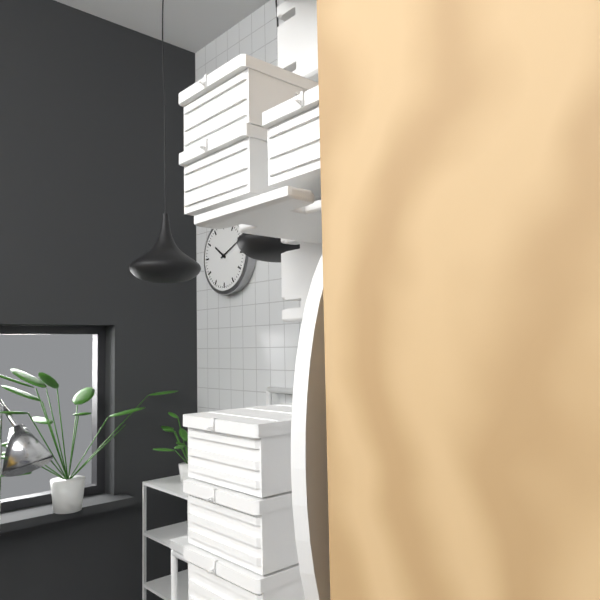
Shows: 10:11
